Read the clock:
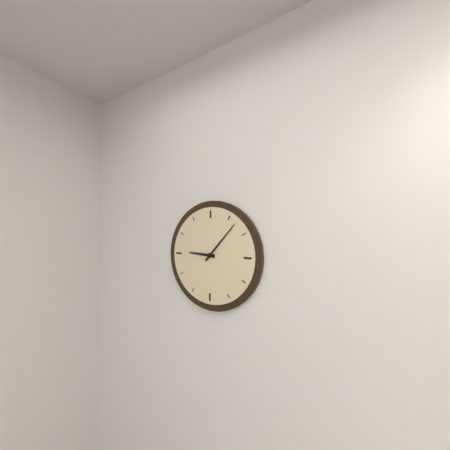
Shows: 9:07
